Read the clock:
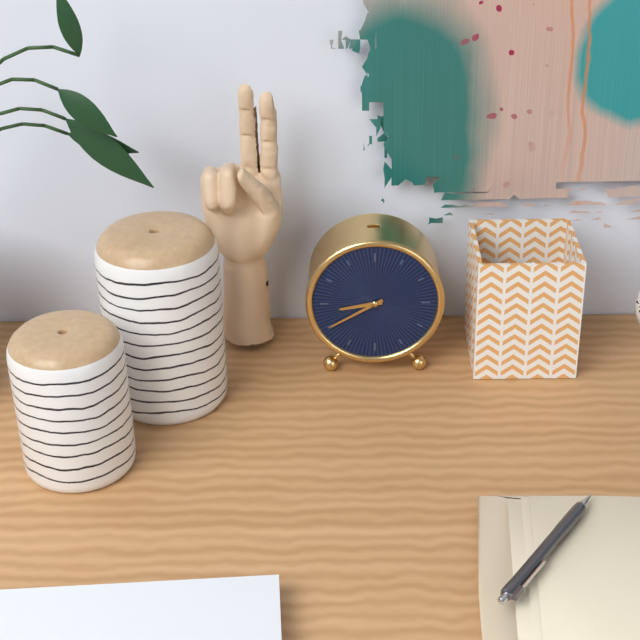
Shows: 8:40
